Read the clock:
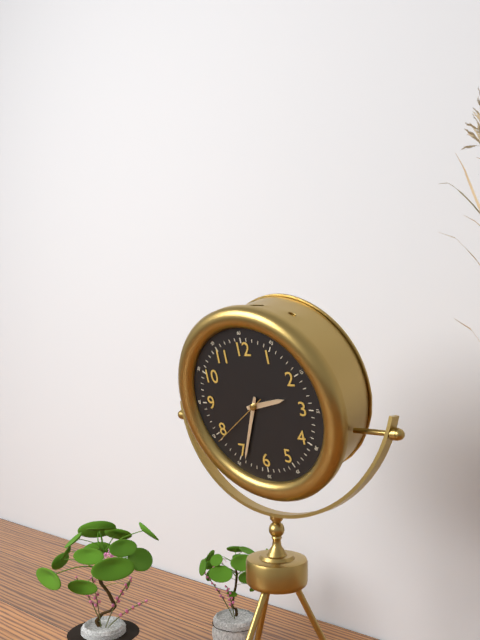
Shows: 2:34:39
